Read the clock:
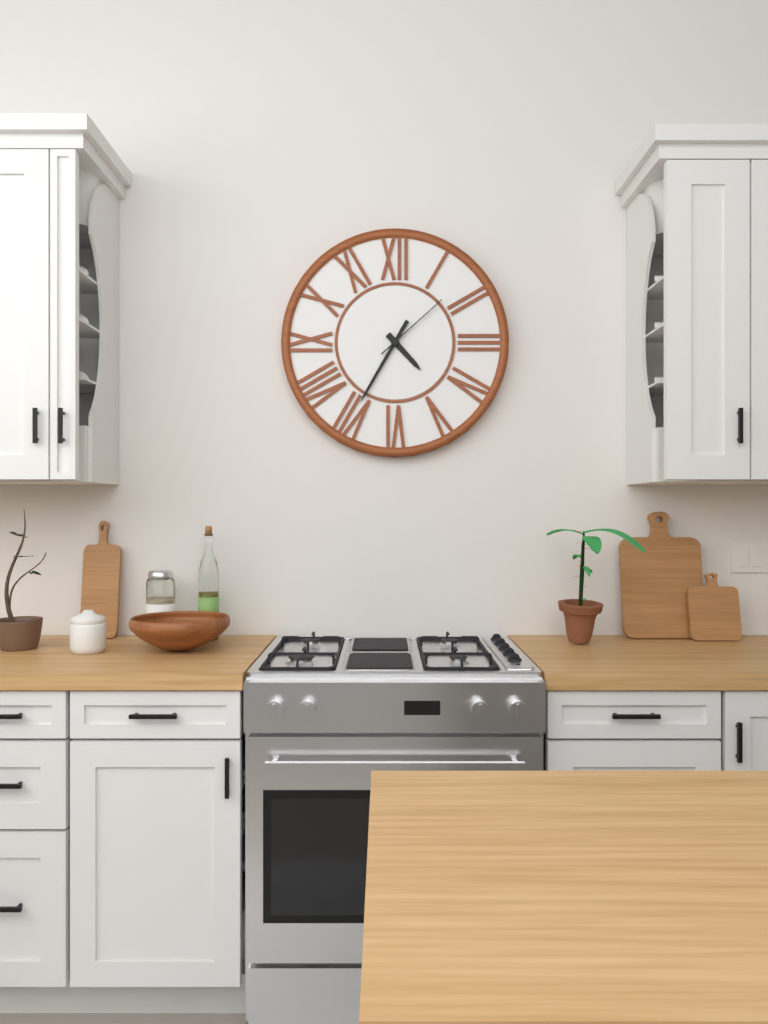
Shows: 4:35:08
